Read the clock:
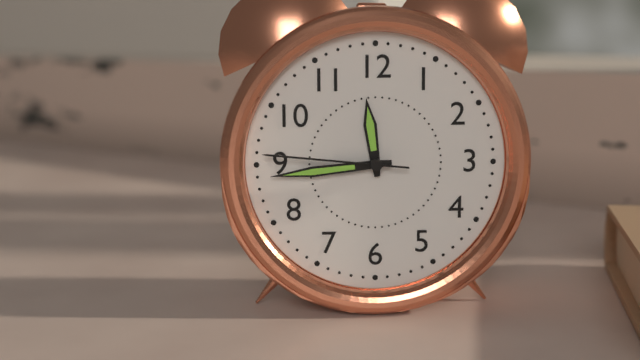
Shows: 11:44:46
